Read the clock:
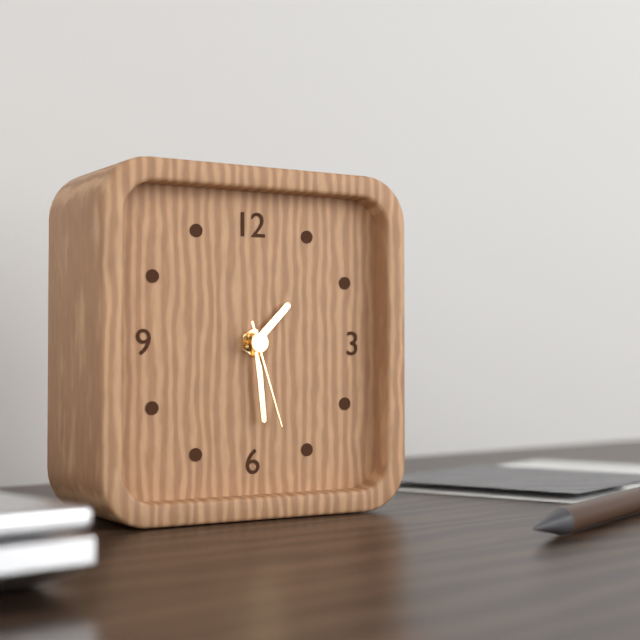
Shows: 1:29:27
